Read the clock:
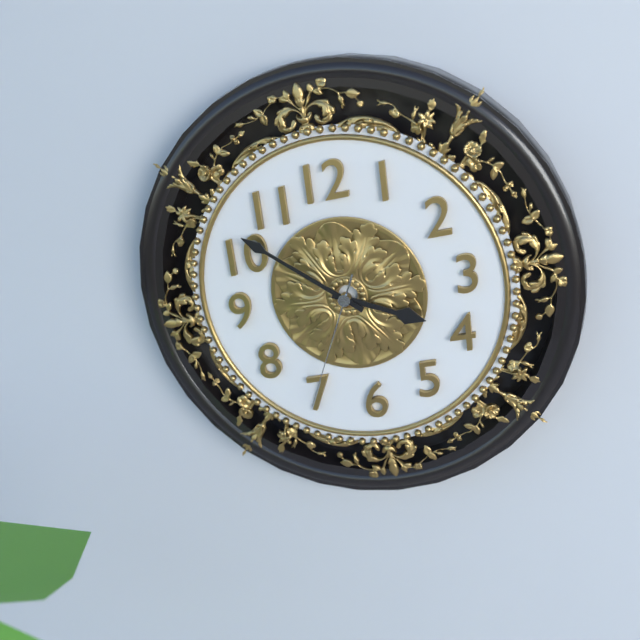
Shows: 3:52:35
